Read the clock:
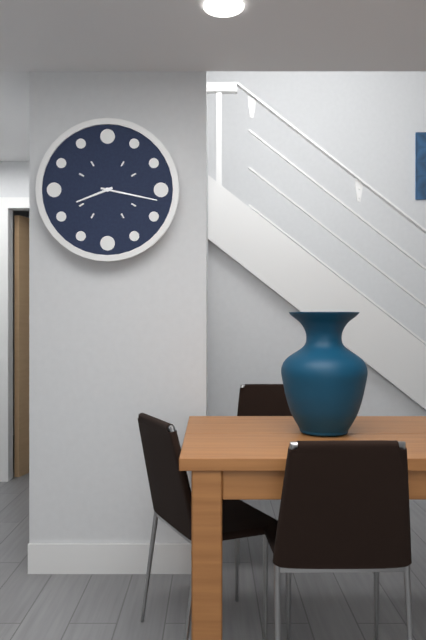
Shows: 8:17
